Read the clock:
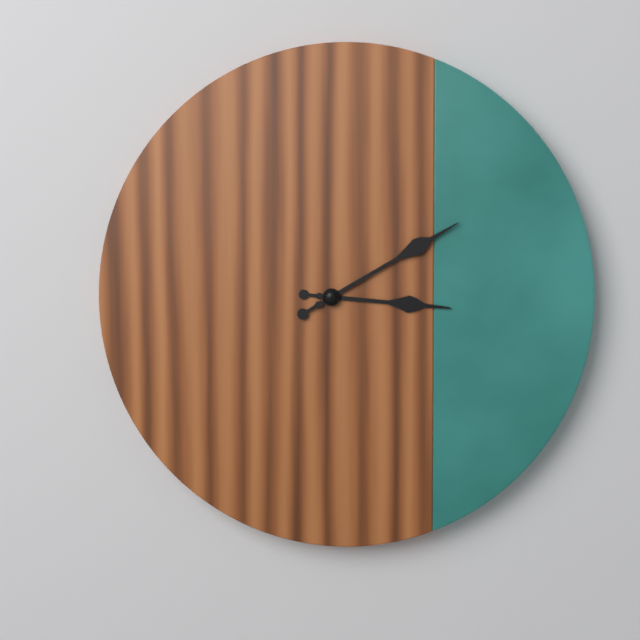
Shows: 3:10
